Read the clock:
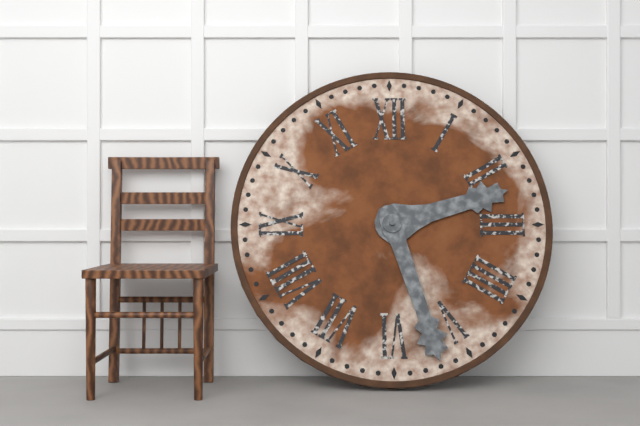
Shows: 2:27
